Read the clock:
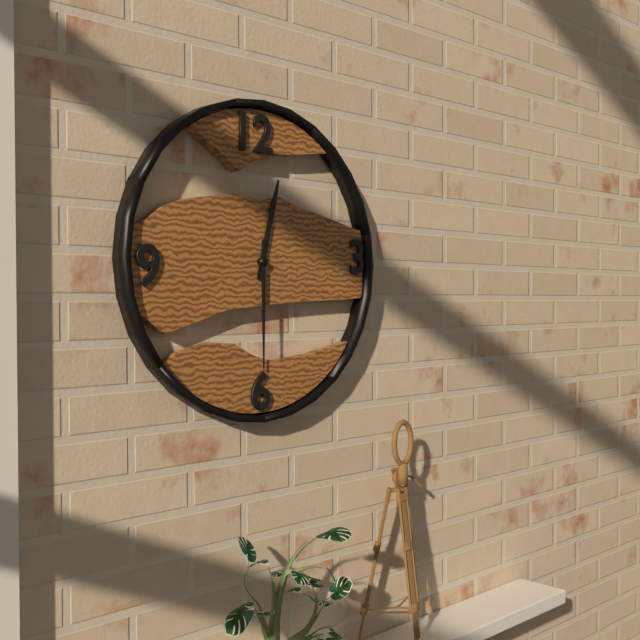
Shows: 12:30
